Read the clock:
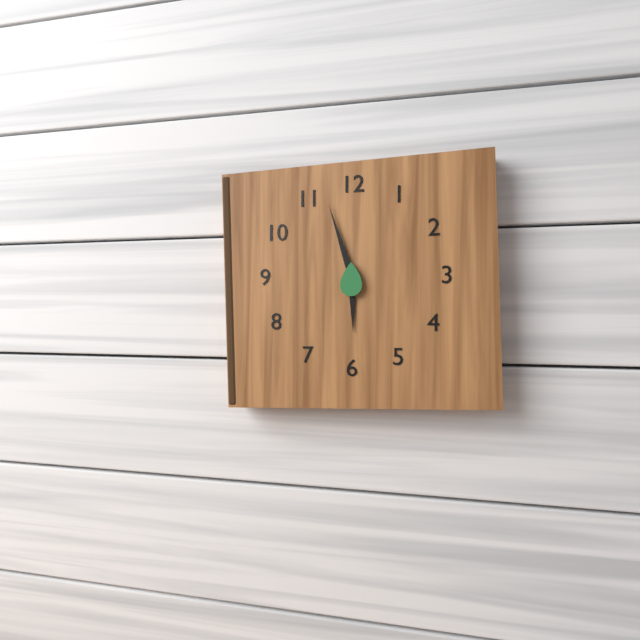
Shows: 5:57
